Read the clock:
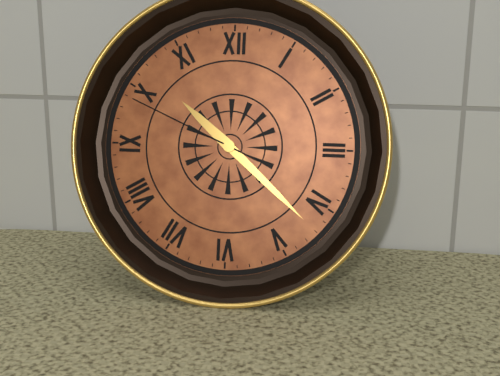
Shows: 10:22:49
